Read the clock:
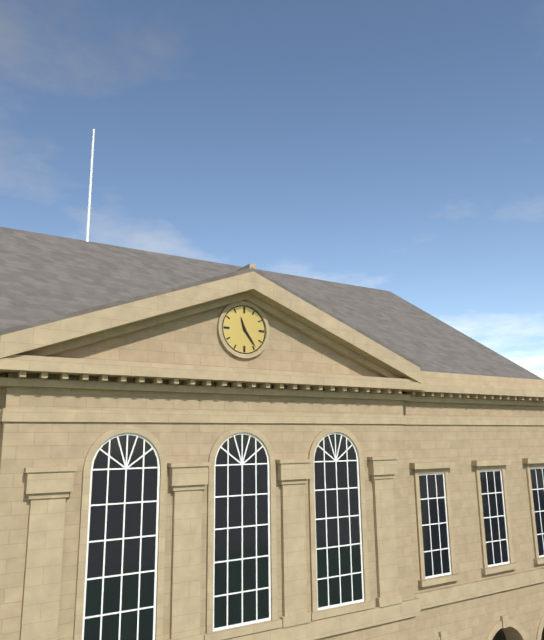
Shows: 11:24
